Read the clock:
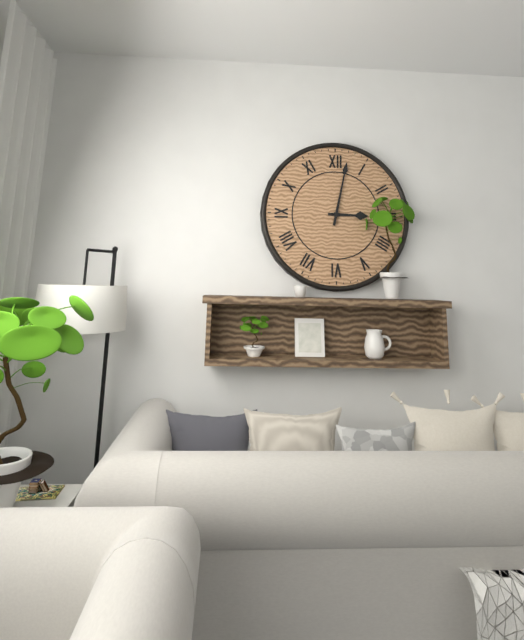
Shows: 3:02
